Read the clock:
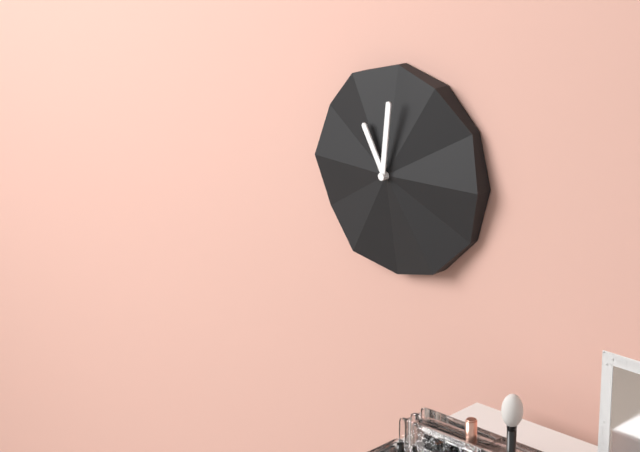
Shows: 11:01
